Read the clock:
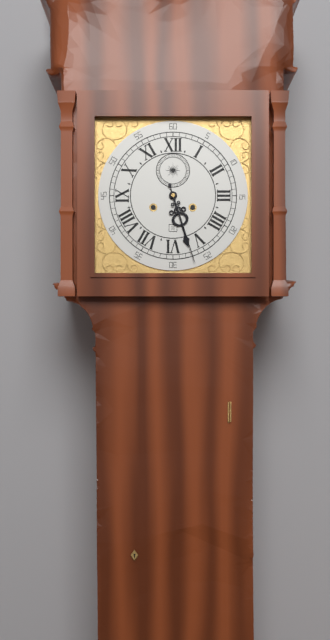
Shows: 5:27
